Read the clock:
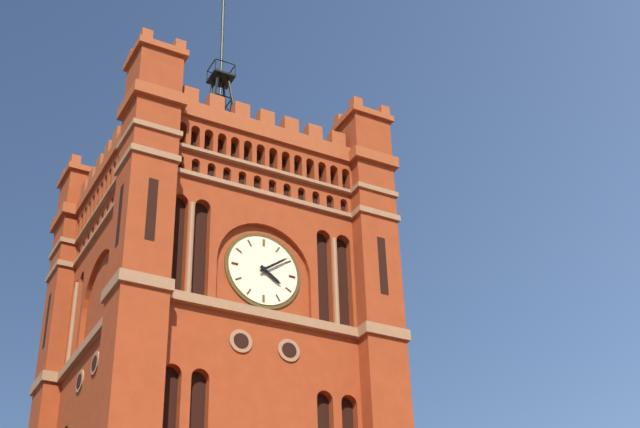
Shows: 4:09
